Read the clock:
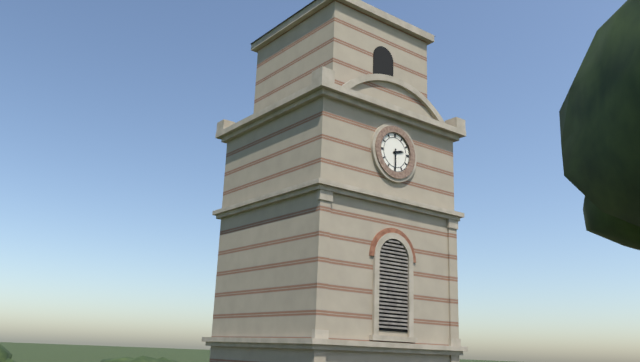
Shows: 2:30
